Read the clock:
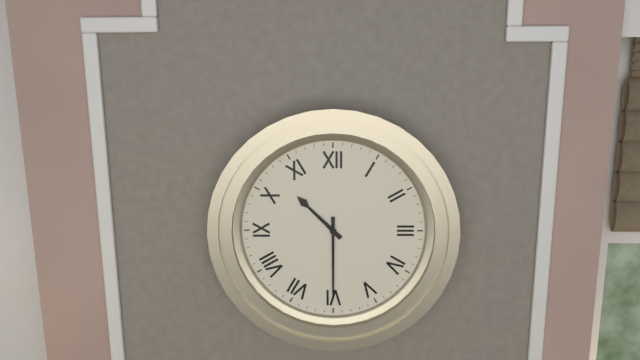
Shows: 10:30
